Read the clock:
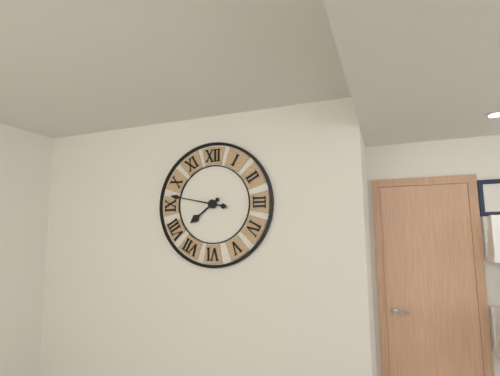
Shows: 7:47
